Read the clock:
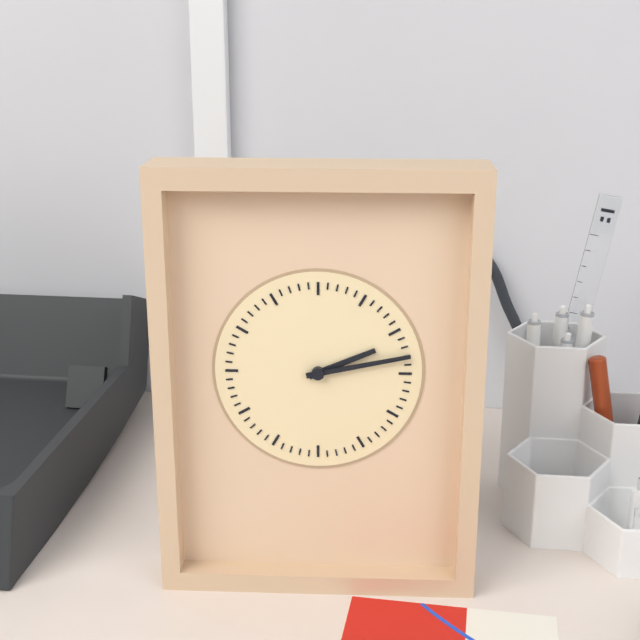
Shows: 2:13
